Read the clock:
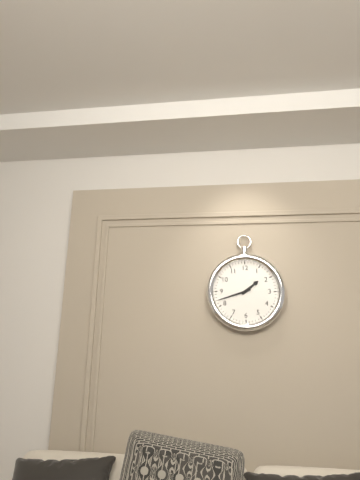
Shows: 1:42
